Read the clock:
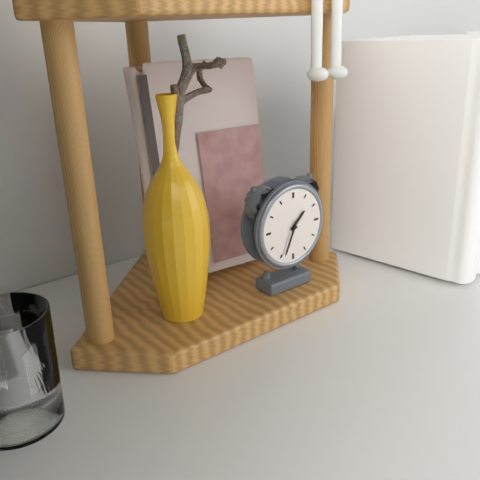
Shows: 1:34
